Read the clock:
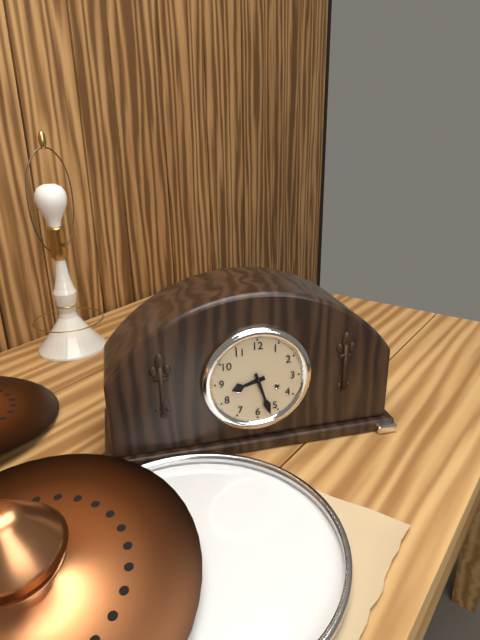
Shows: 8:27
